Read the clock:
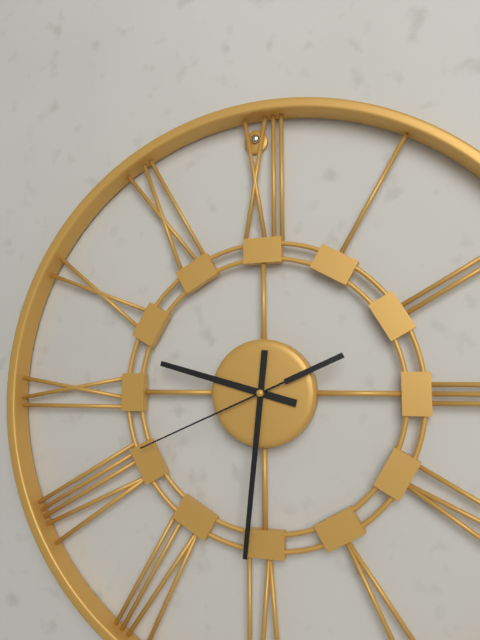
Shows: 9:31:41
